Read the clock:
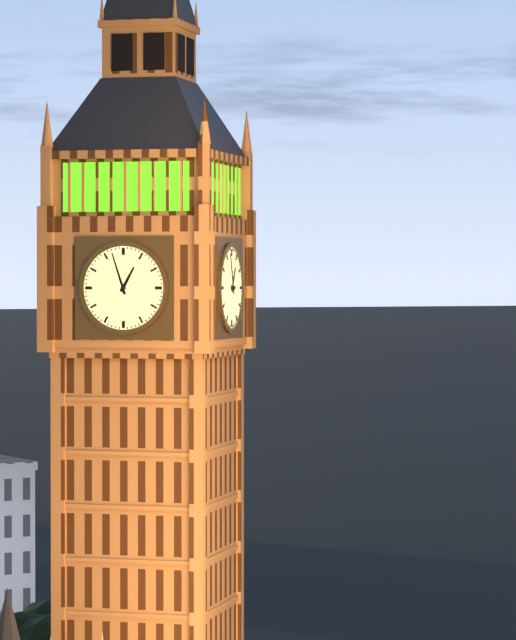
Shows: 12:57
